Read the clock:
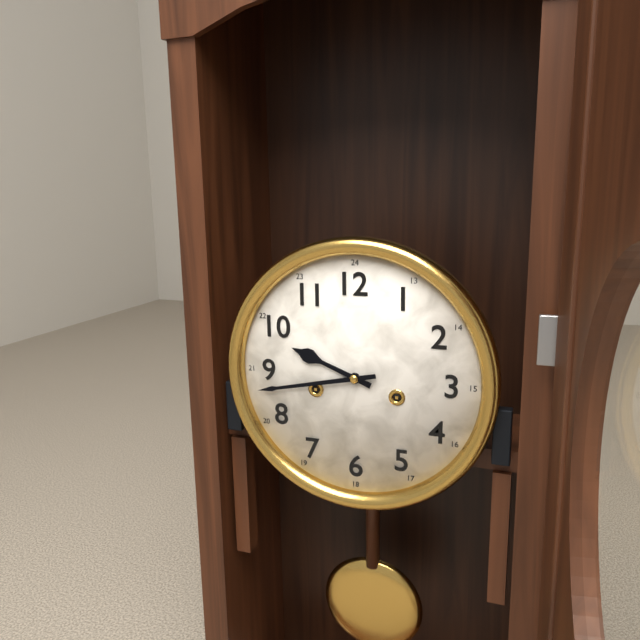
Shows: 9:43
